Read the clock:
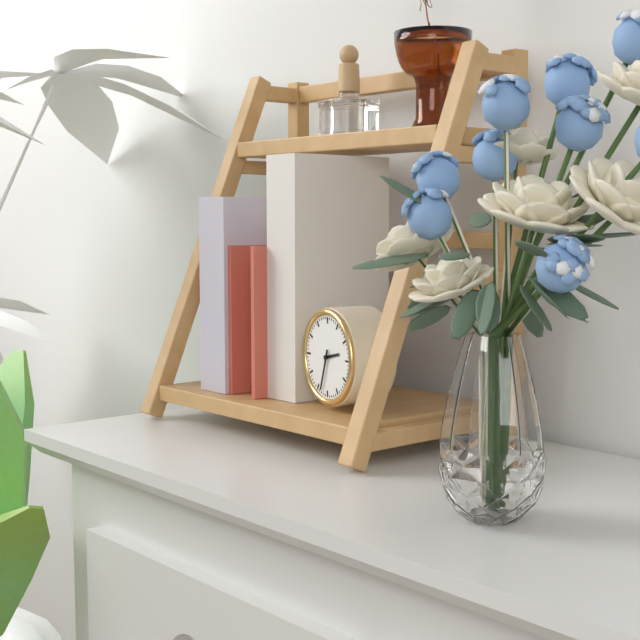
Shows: 2:33
